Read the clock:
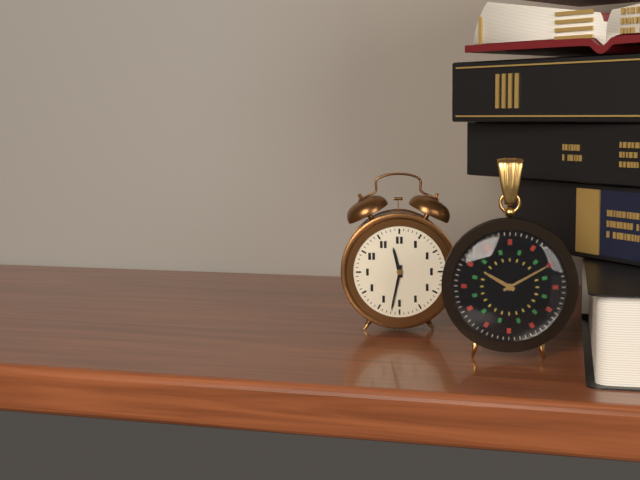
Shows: 11:32
